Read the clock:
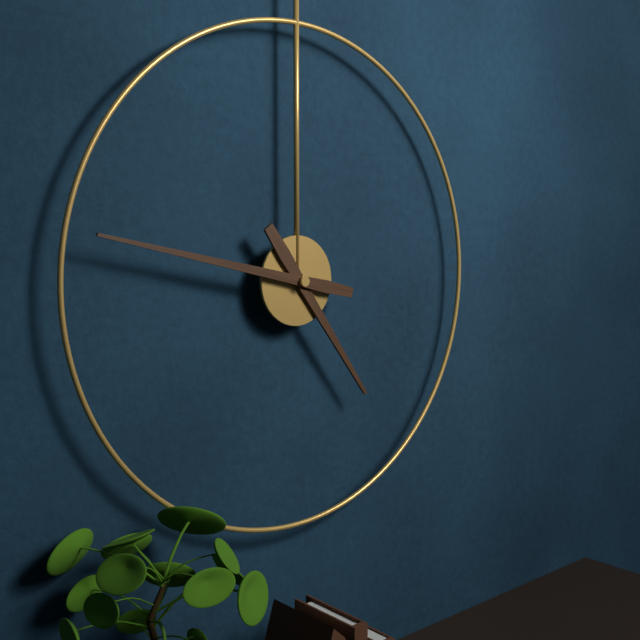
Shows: 4:47
